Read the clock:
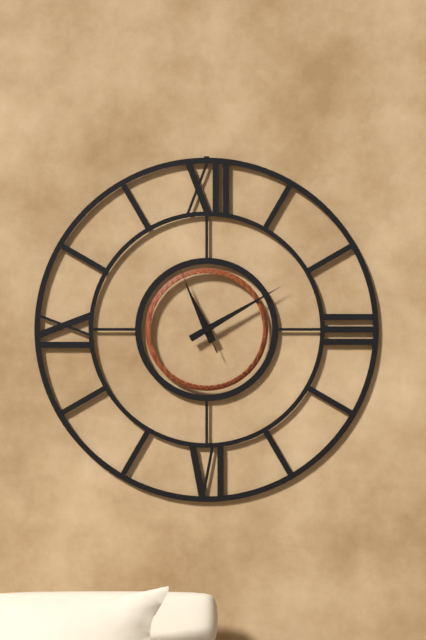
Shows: 11:10:56
